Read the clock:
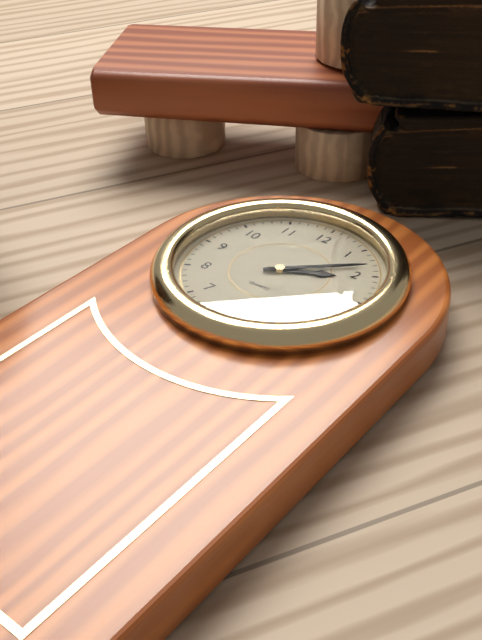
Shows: 2:08
